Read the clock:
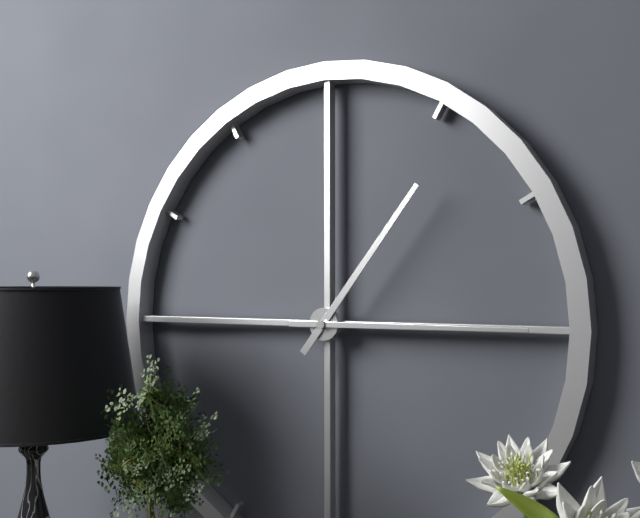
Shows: 1:15
